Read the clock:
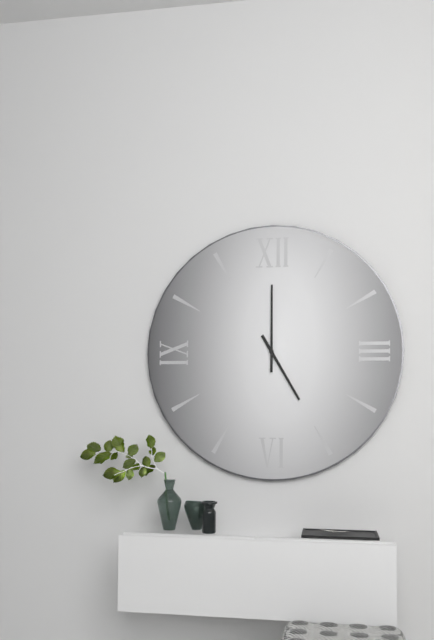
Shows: 5:00
